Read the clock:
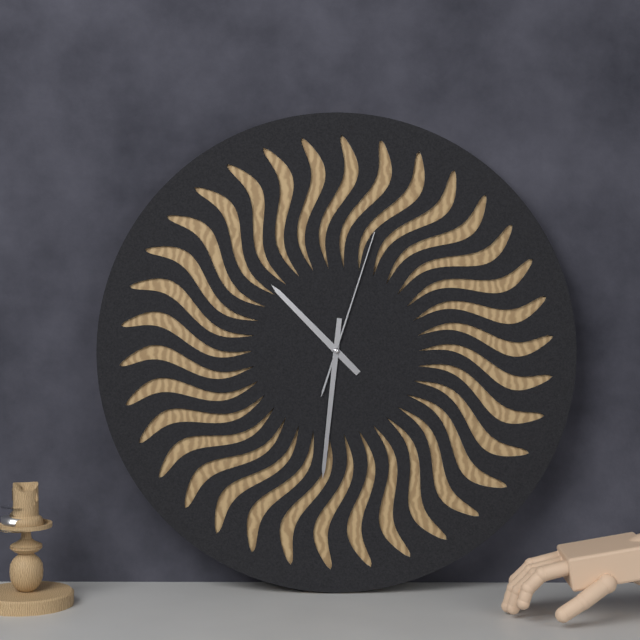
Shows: 10:31:03
